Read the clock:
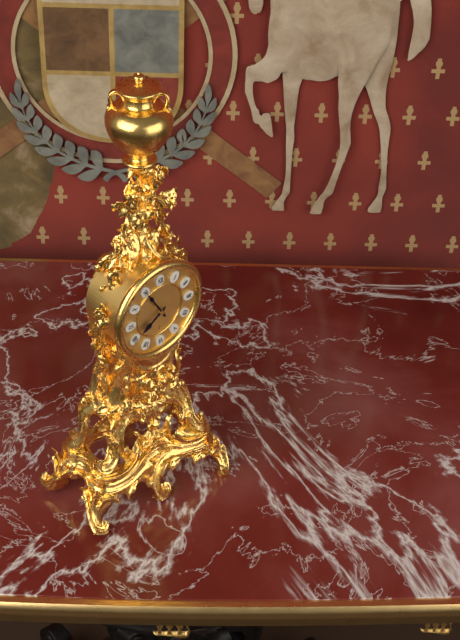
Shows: 7:55
